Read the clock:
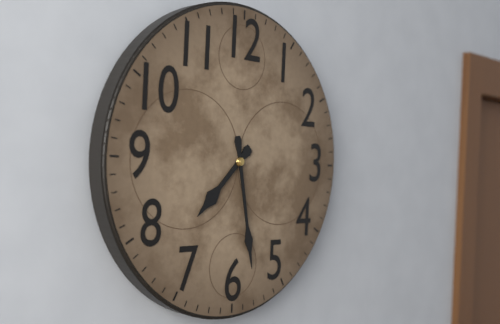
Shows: 7:28
